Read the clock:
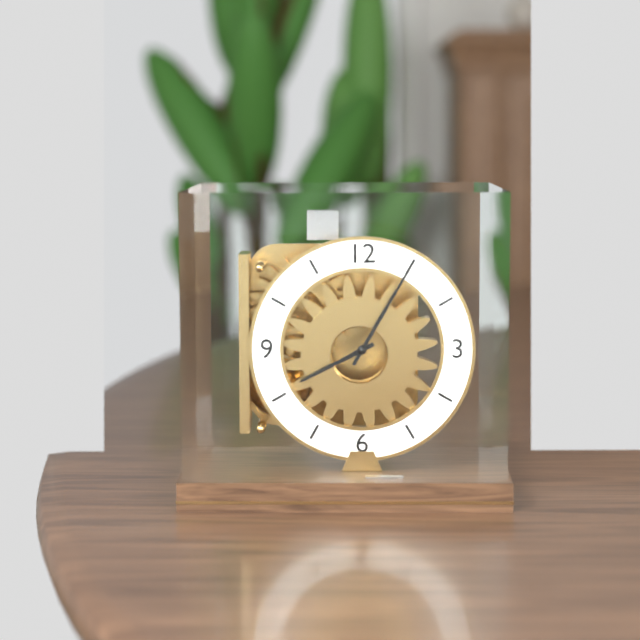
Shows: 8:05
